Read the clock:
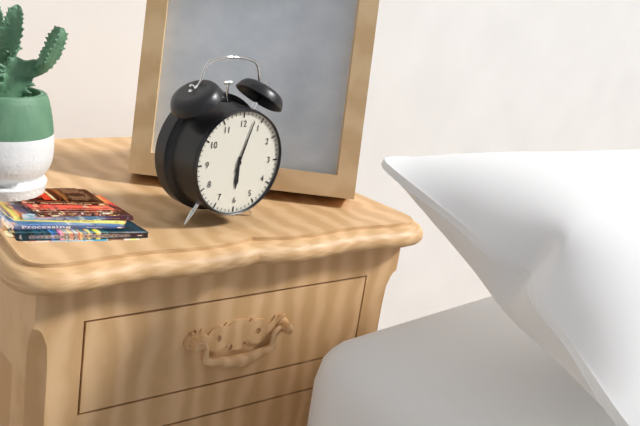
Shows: 6:03
